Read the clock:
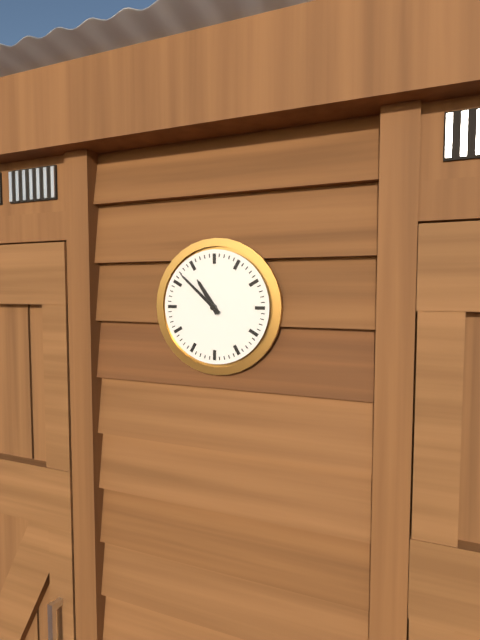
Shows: 10:52
